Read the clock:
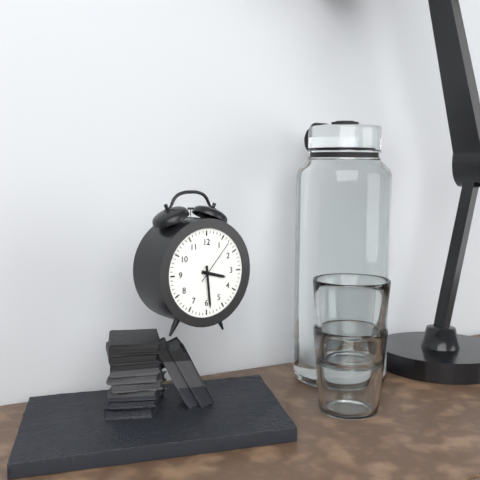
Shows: 3:29
